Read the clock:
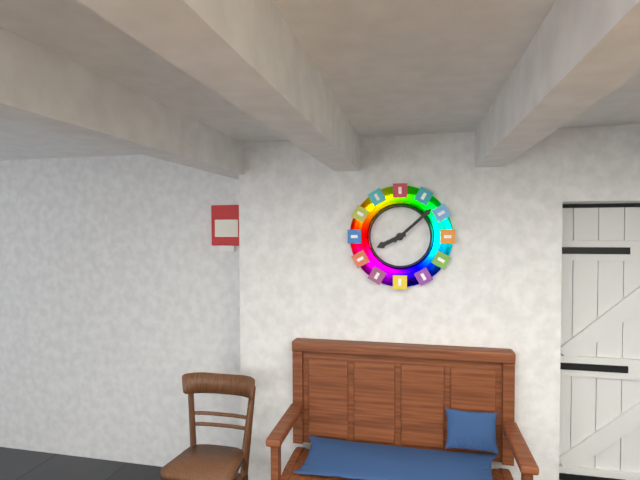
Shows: 8:08
